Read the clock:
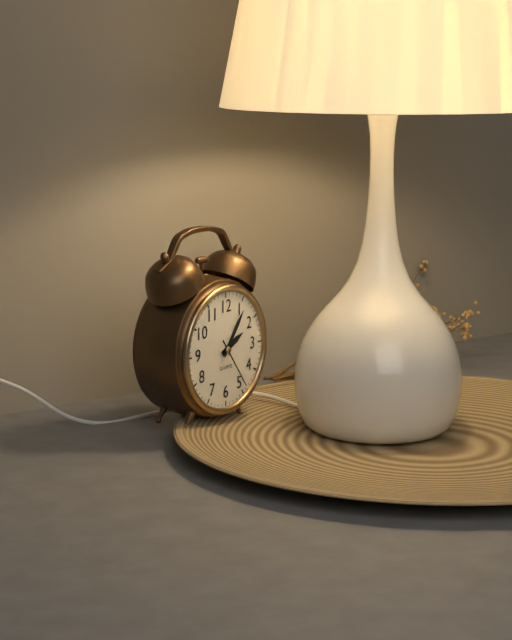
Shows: 2:06:24
